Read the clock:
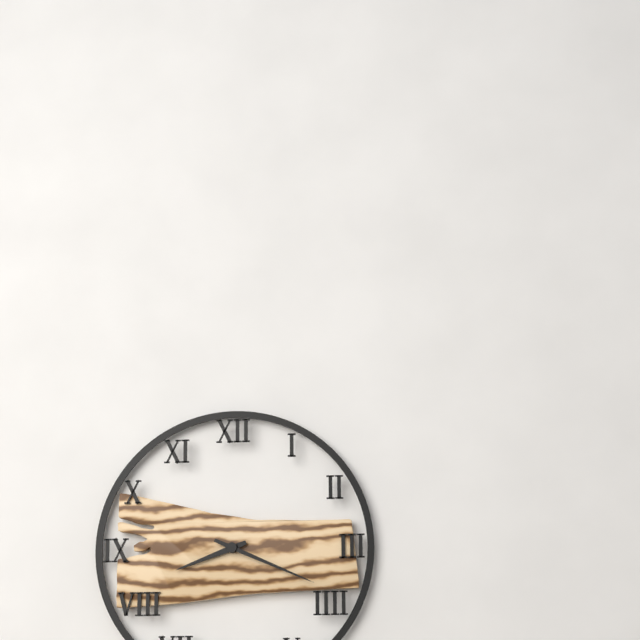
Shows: 8:19
